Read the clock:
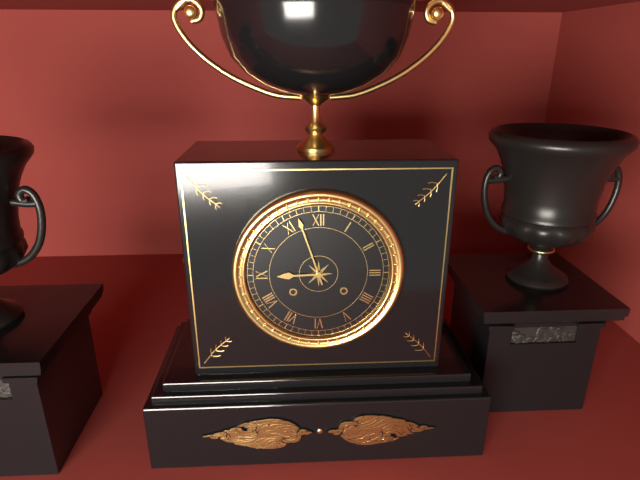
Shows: 8:57
